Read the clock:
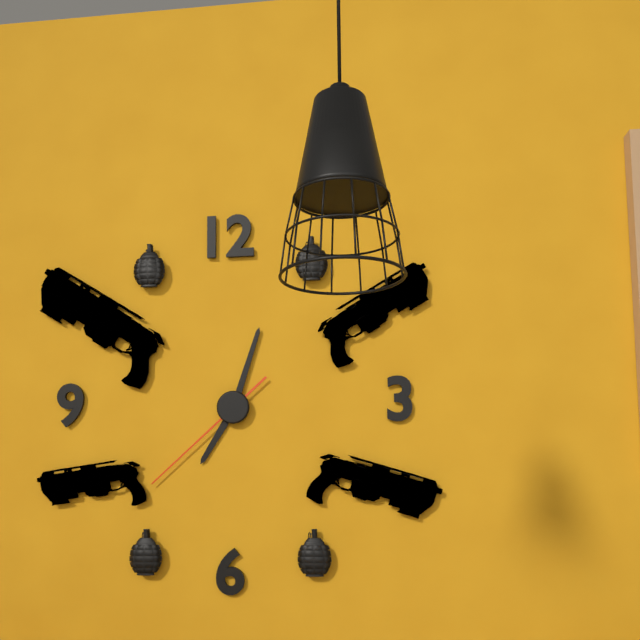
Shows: 7:03:38
